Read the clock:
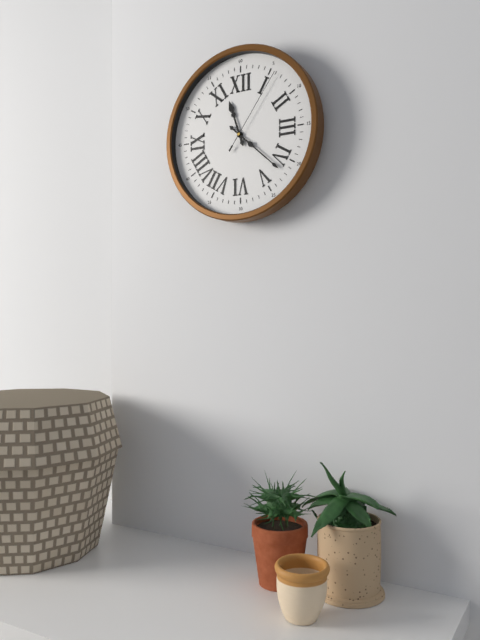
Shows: 11:22:06
